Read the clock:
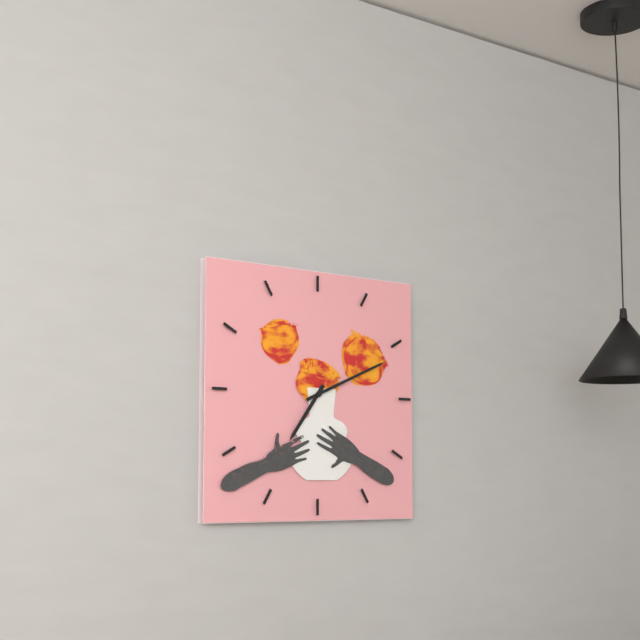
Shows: 7:11
